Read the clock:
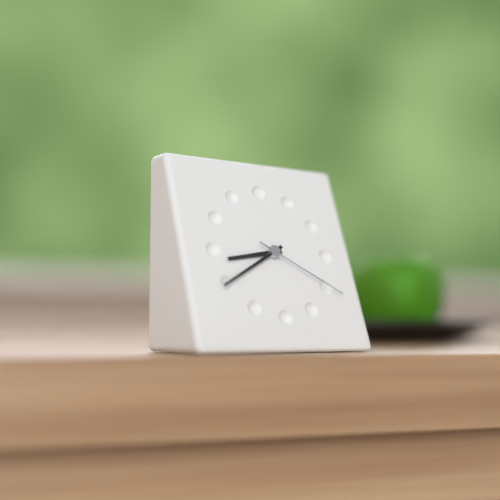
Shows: 8:40:20
